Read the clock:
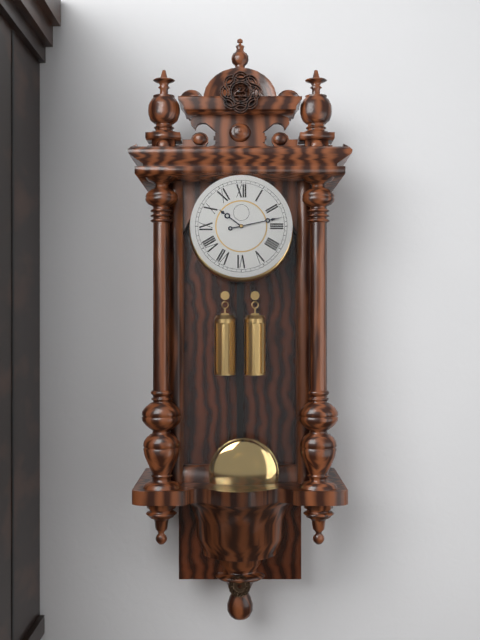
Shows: 10:13
